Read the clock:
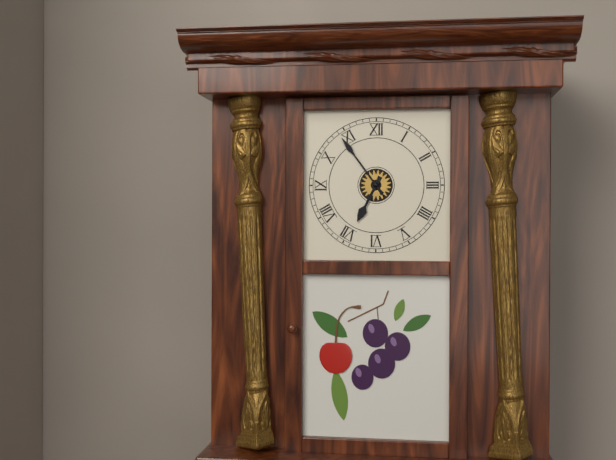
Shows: 6:54
